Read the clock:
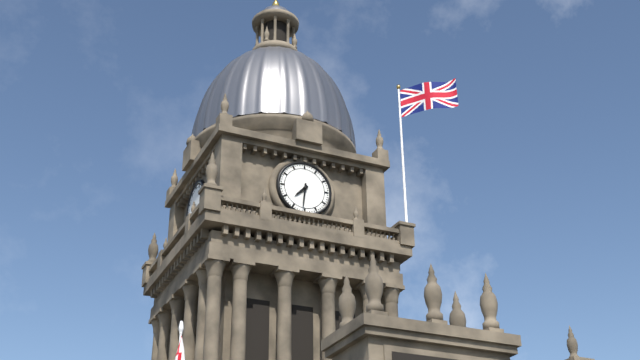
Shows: 7:31
